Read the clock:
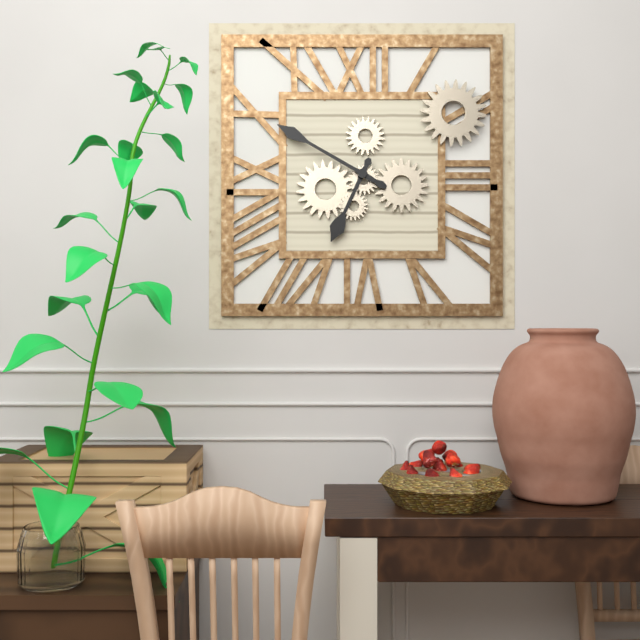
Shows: 6:50
